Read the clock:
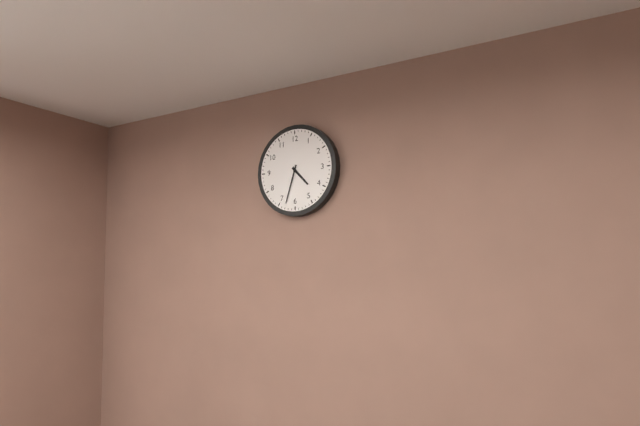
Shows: 4:33
